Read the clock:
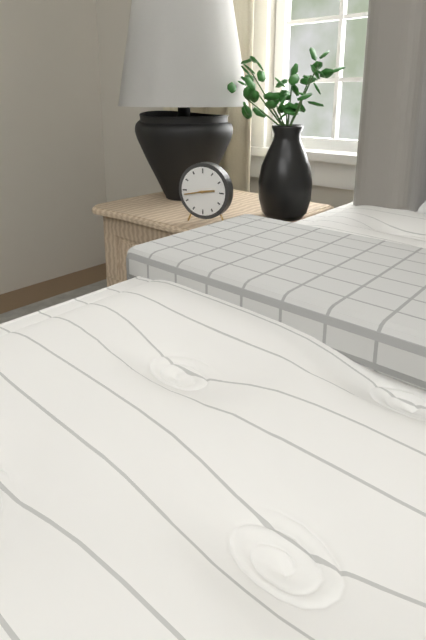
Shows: 2:43
